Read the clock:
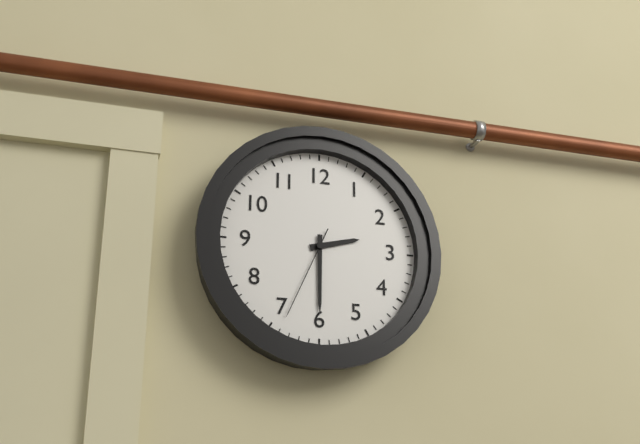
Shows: 2:30:34
